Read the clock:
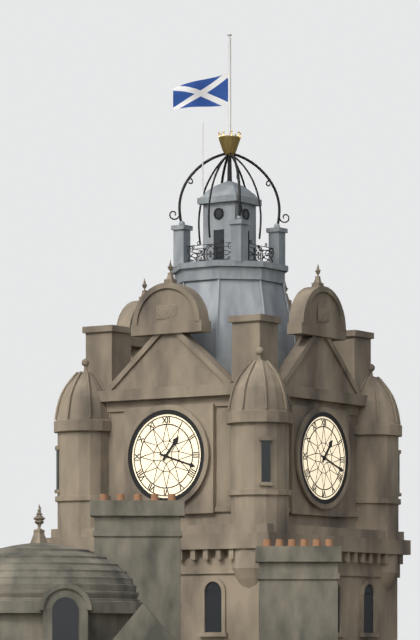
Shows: 1:18
